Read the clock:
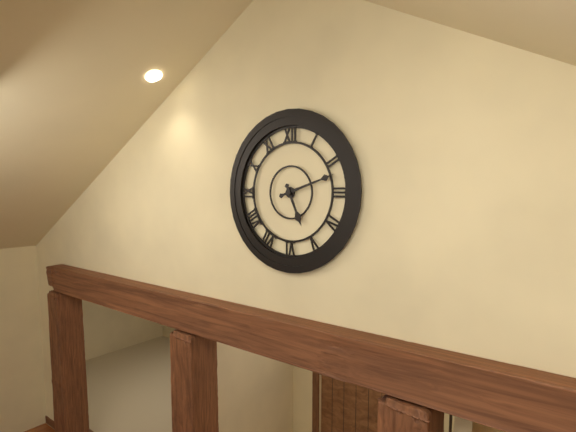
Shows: 5:12
